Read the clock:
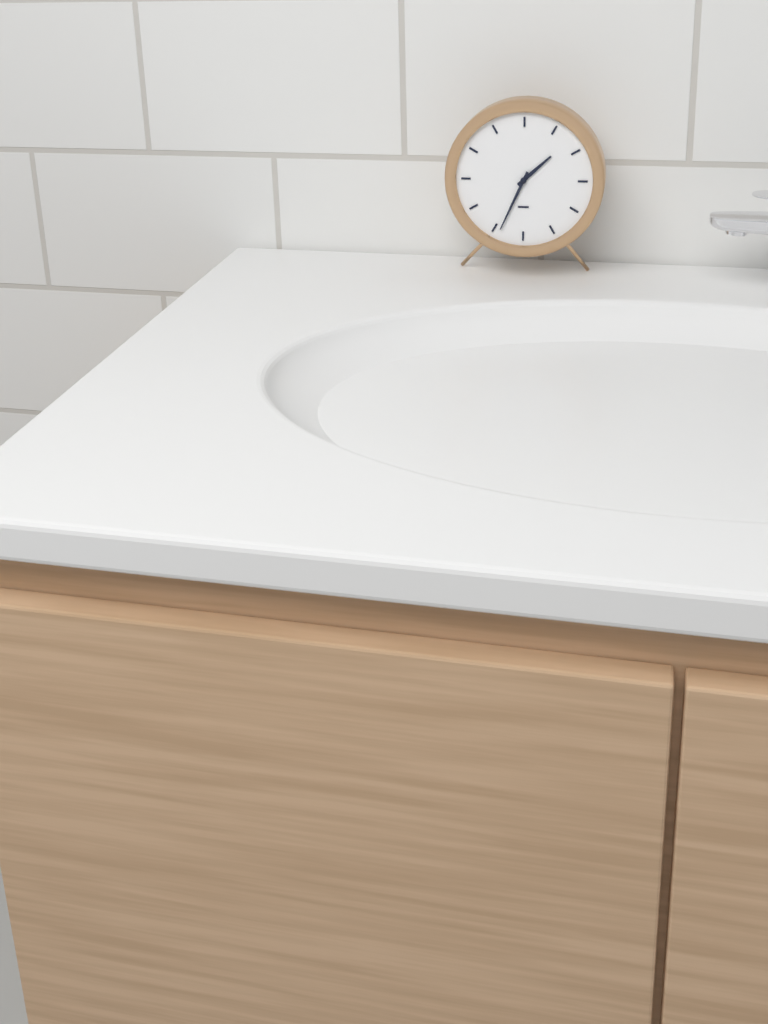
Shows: 1:34
